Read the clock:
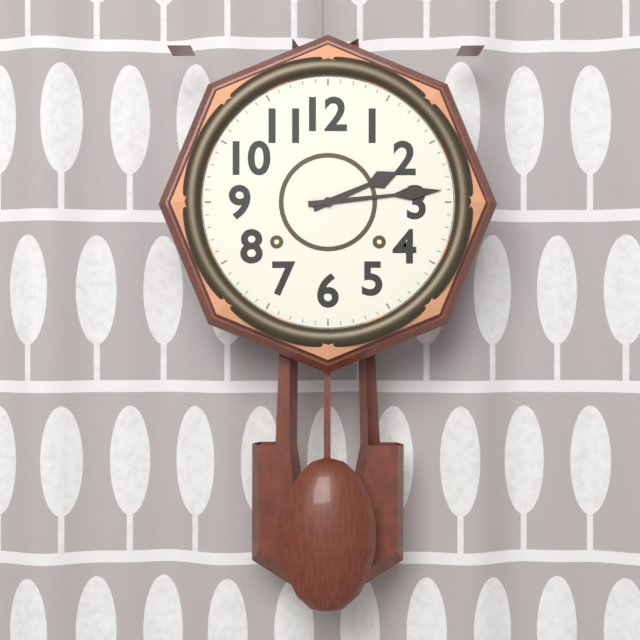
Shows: 2:14
